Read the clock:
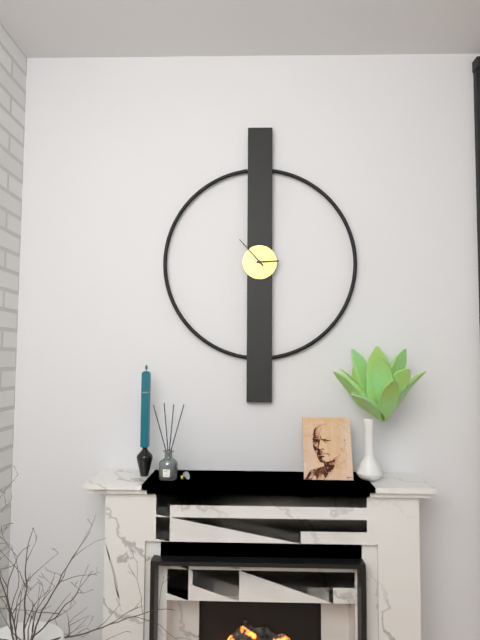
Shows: 2:53
